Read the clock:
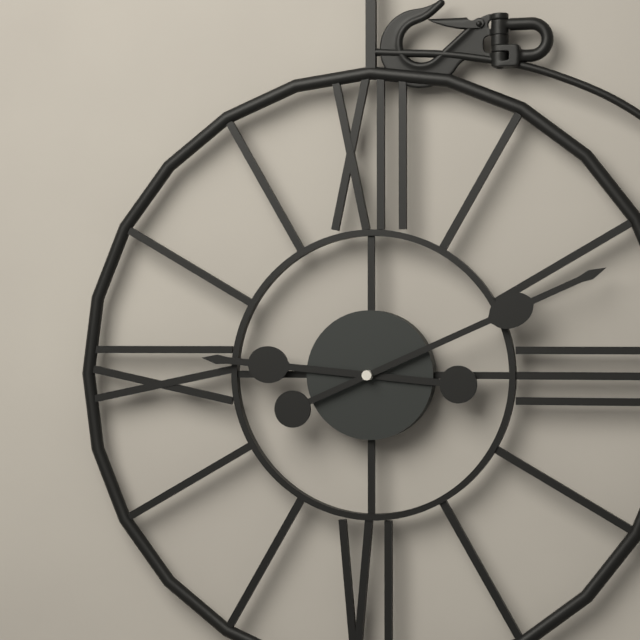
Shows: 9:11
